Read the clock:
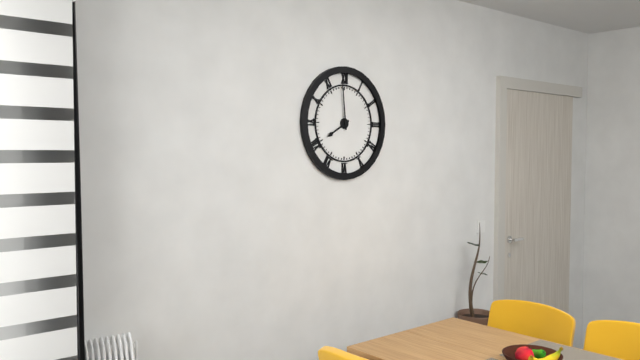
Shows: 7:59
